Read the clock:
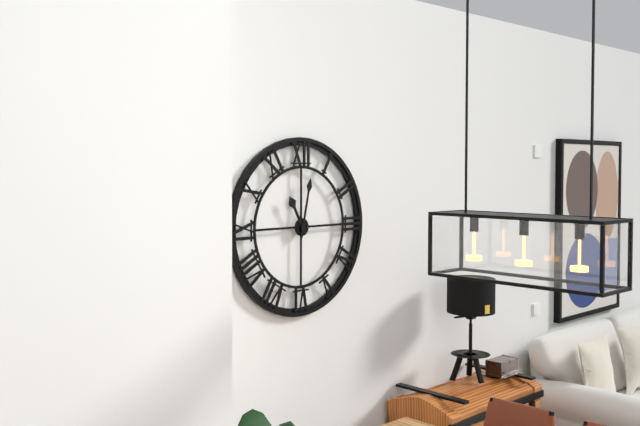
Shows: 11:02
